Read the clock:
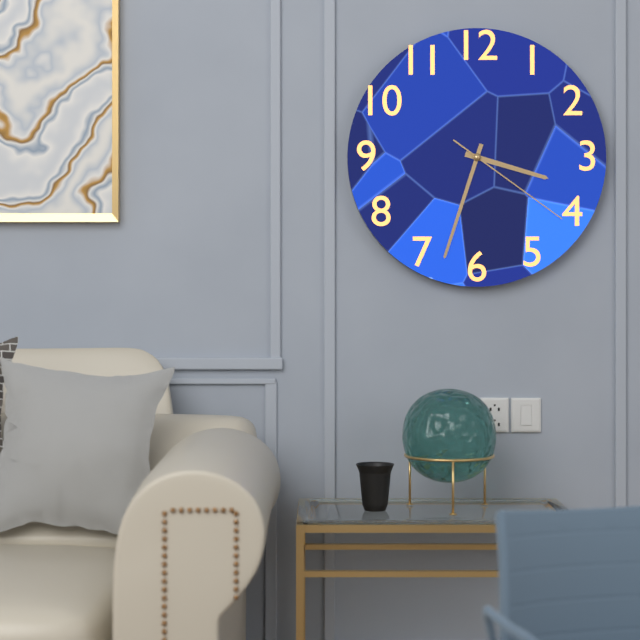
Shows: 3:33:21
